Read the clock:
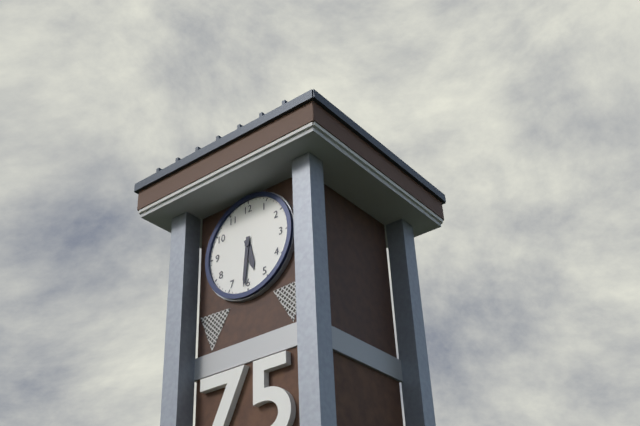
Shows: 5:31
